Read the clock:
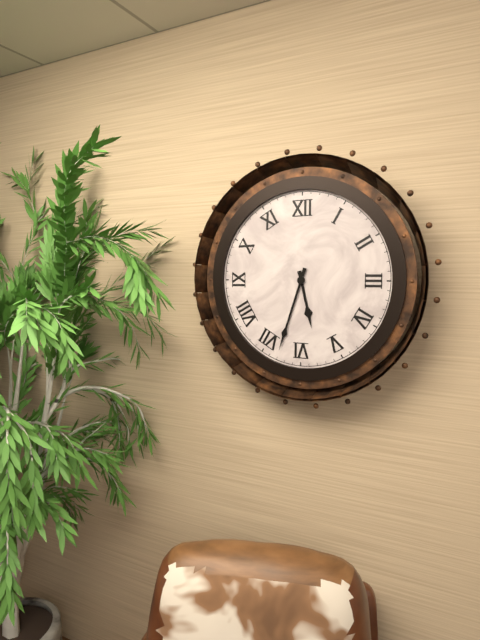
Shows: 5:33
